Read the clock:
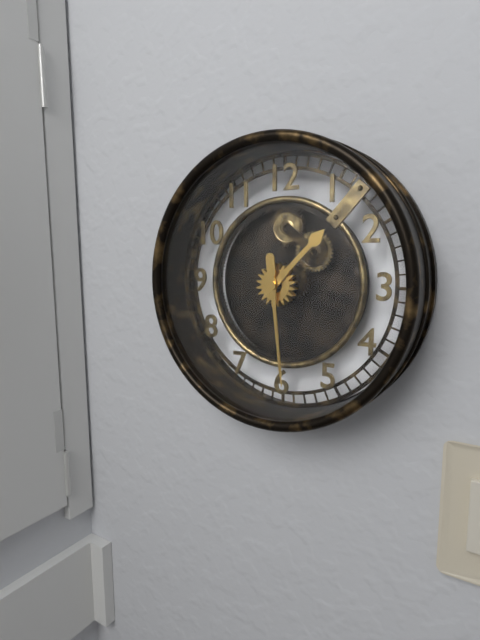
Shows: 1:29
